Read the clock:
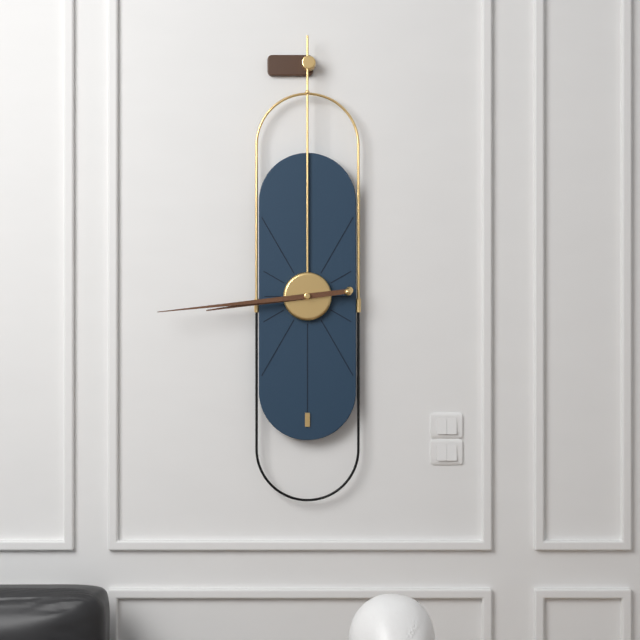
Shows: 8:44
